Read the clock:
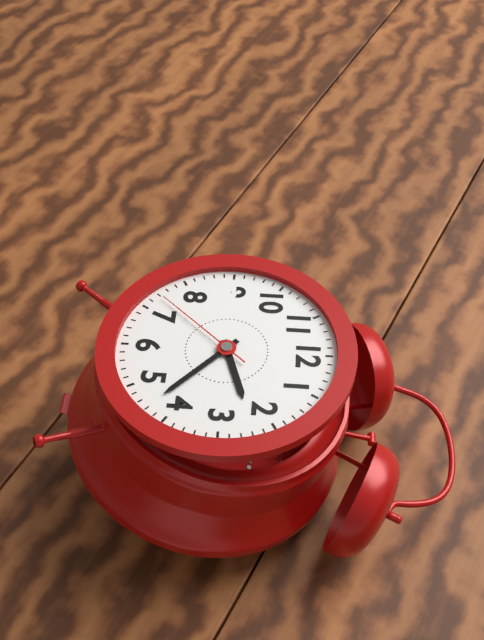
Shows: 2:22:37
